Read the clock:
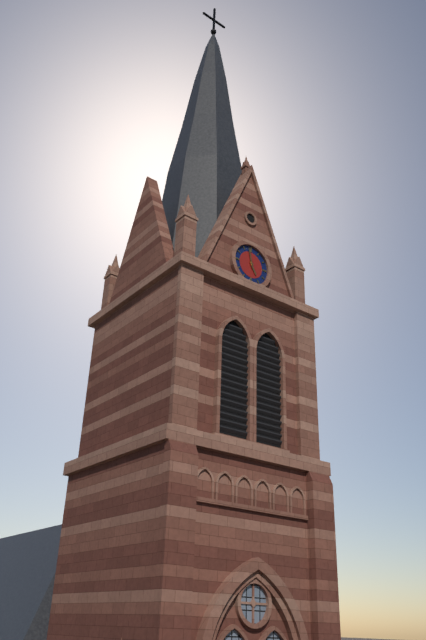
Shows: 4:58
